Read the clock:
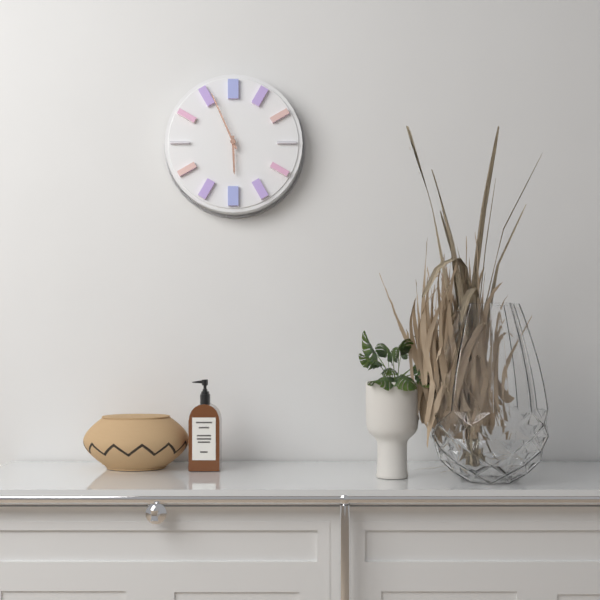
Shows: 5:56
